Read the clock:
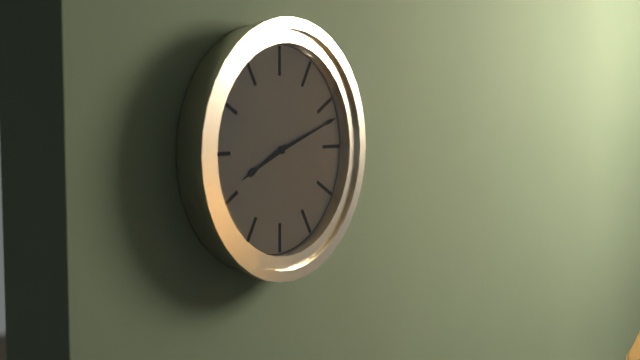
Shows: 8:12
